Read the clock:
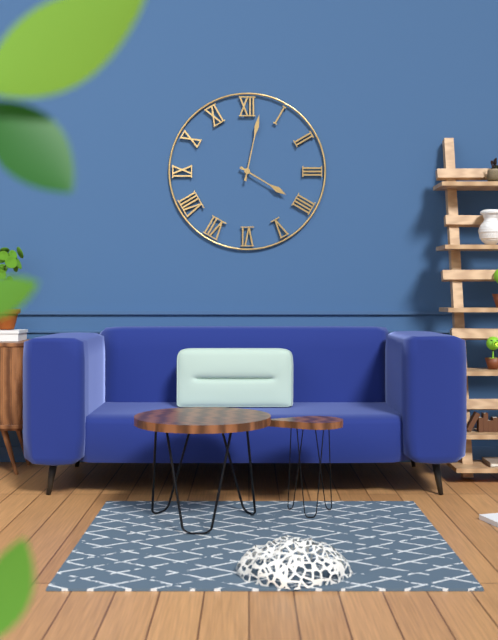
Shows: 4:02
